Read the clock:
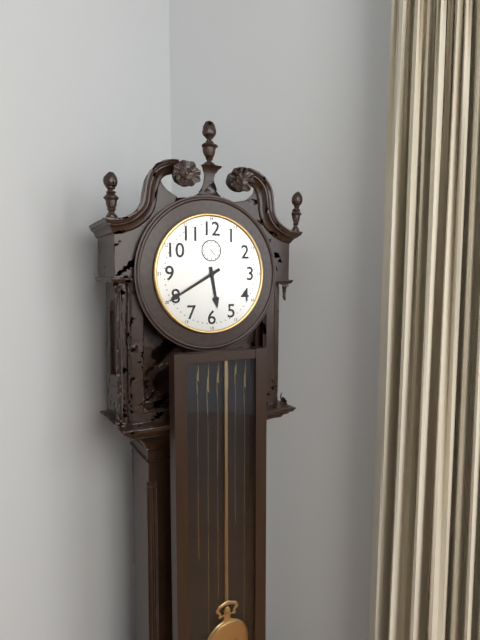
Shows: 5:40
